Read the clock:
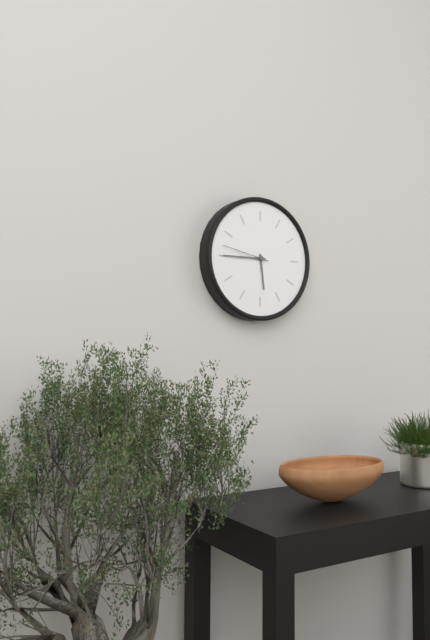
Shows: 5:45:47
